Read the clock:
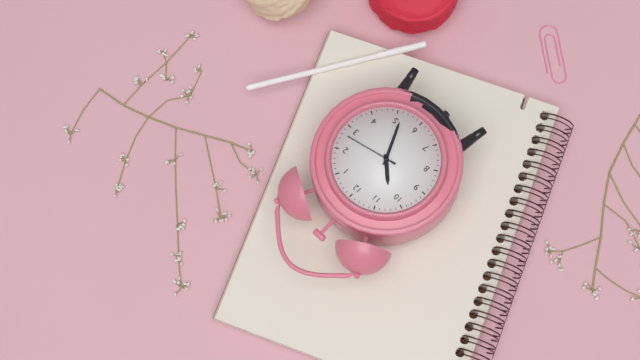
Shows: 10:26:13
